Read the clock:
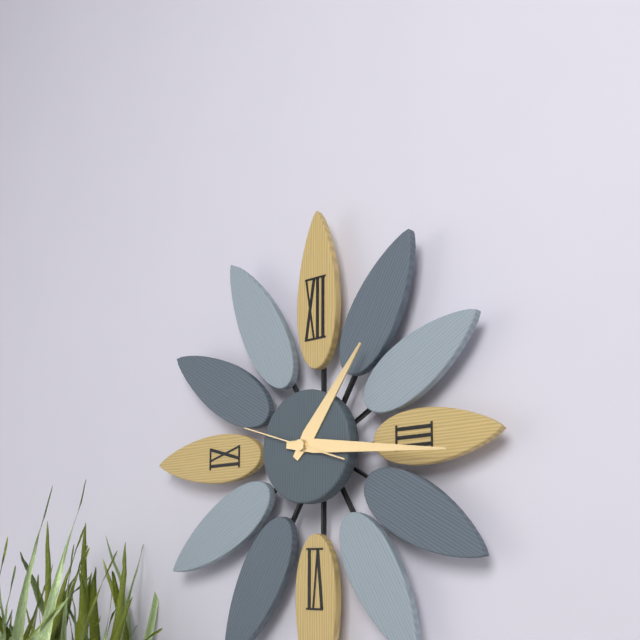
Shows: 1:16:48
